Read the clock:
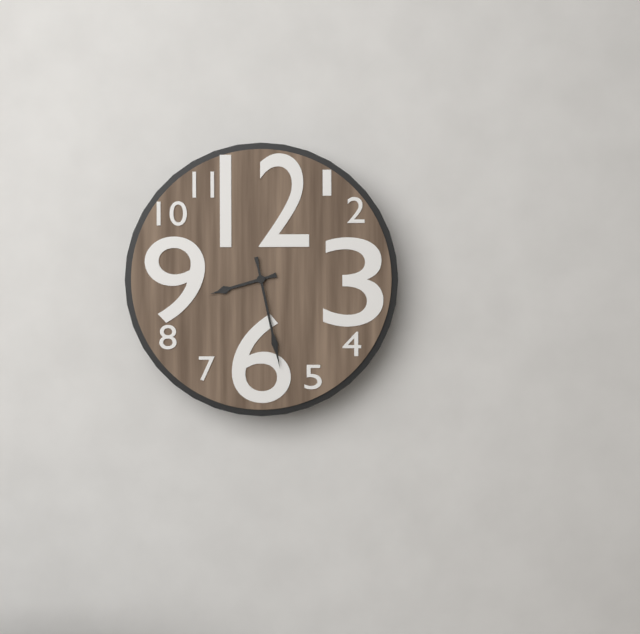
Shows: 8:28
